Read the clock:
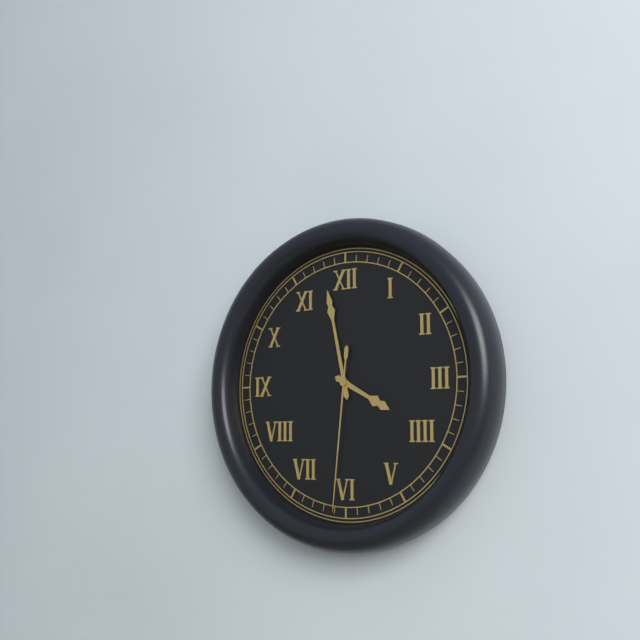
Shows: 3:58:31
